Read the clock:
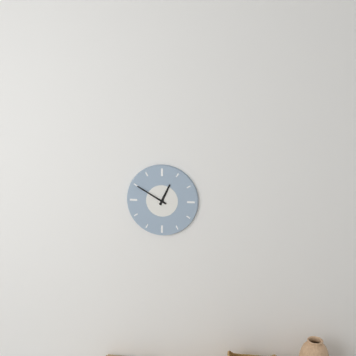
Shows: 12:50
